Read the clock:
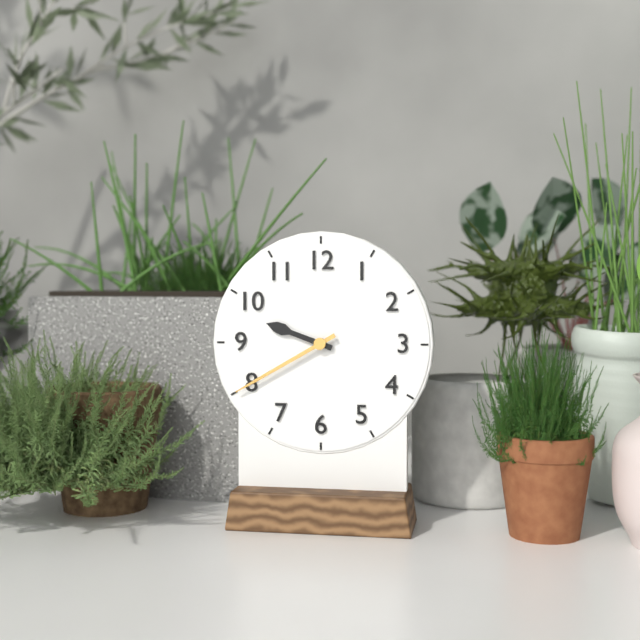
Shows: 9:40
